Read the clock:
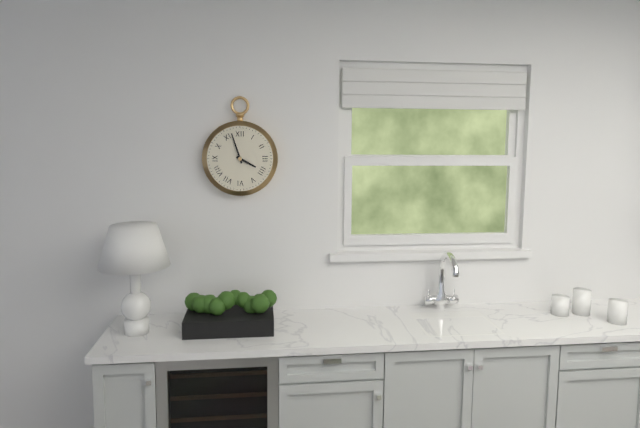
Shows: 3:57
